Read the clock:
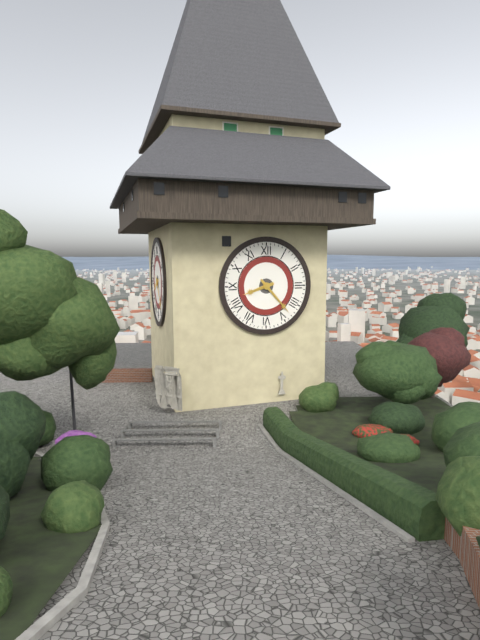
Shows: 8:23
